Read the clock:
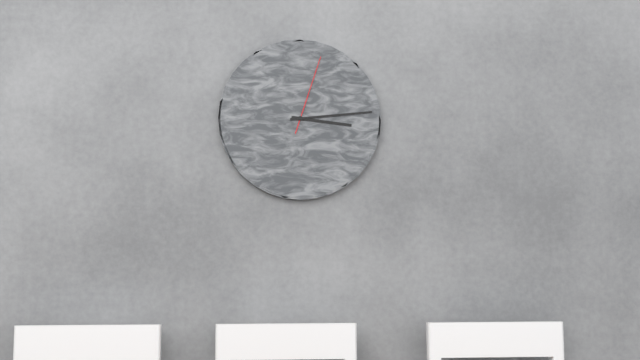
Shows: 3:14:03
